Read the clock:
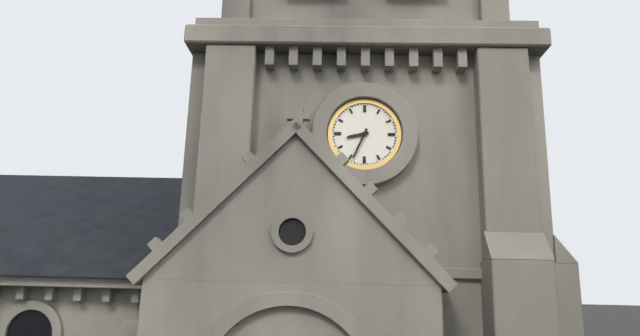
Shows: 8:34
